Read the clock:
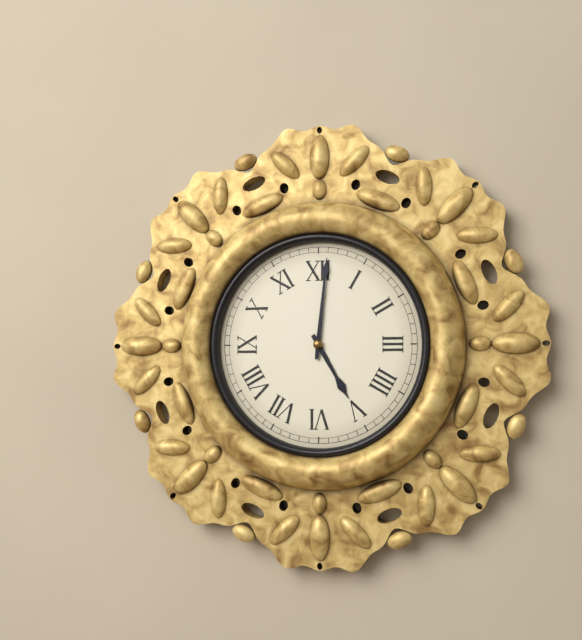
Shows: 5:01
